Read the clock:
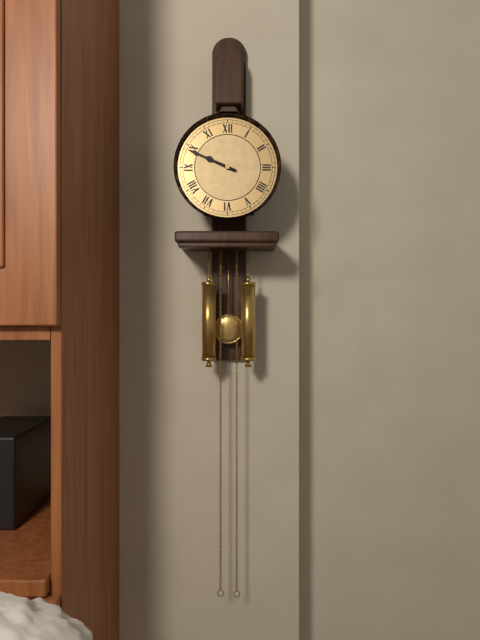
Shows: 9:49
